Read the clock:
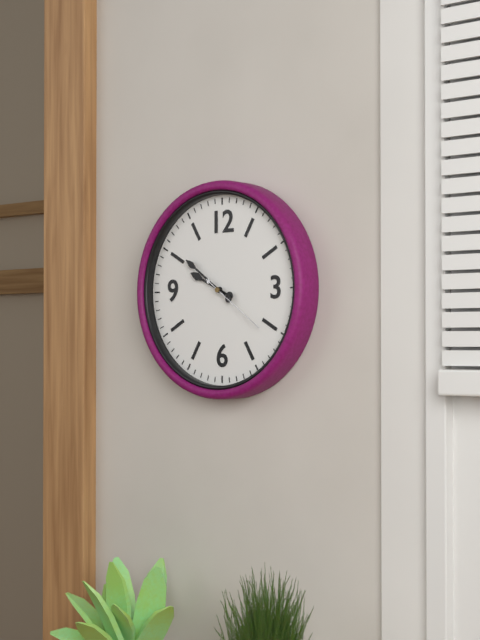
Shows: 9:51:21
